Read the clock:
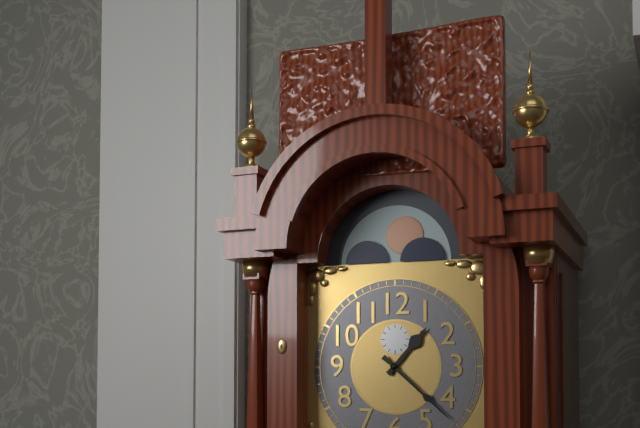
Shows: 1:22
